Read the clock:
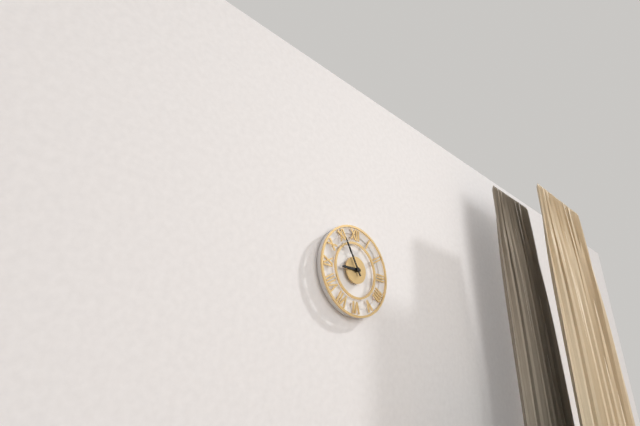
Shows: 8:55
